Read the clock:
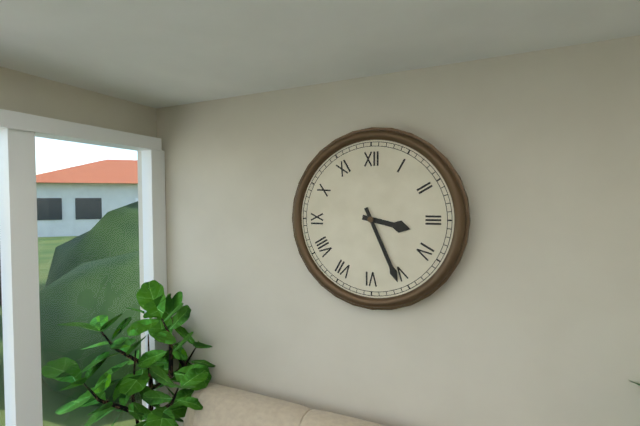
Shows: 3:26
